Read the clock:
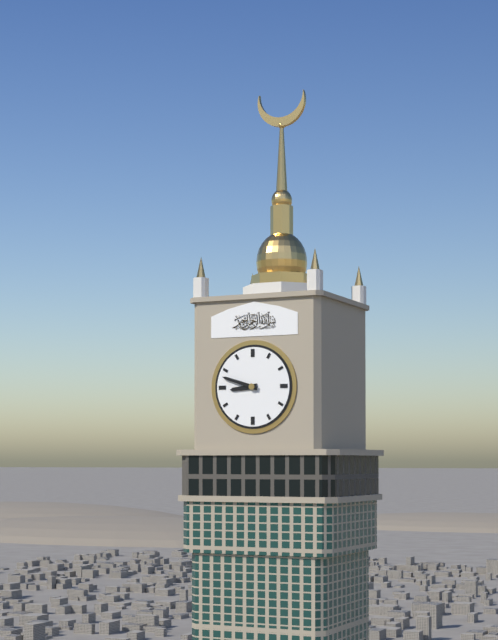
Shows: 8:48
